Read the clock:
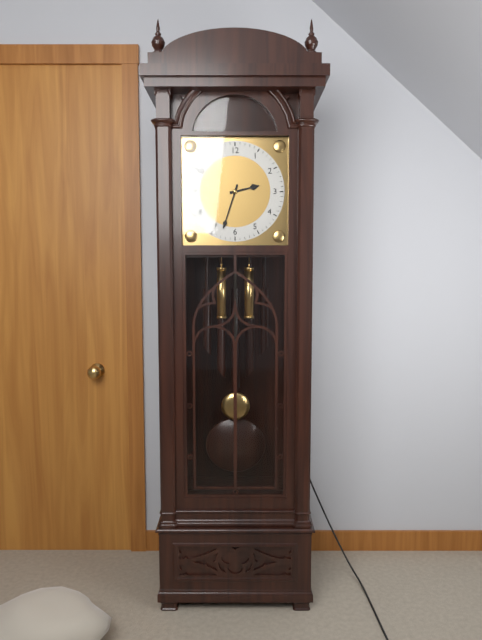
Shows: 2:33
